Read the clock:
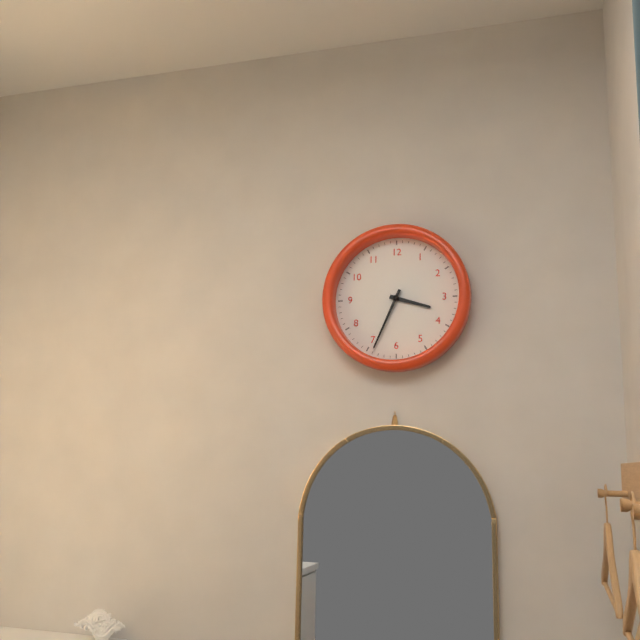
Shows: 3:34
